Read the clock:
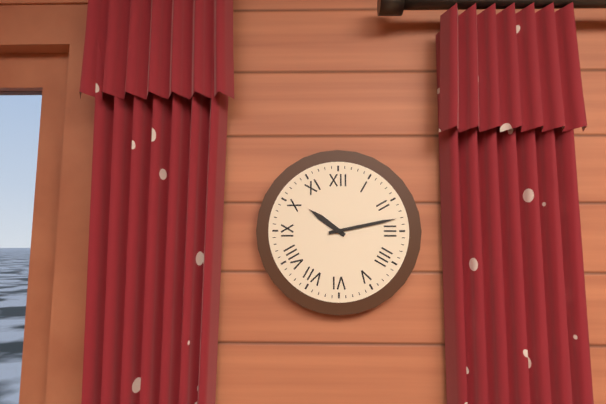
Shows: 10:13
